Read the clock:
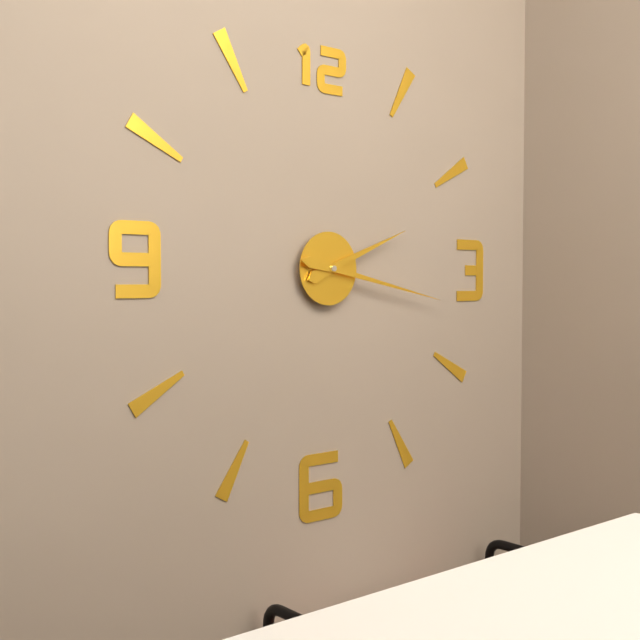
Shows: 2:17
